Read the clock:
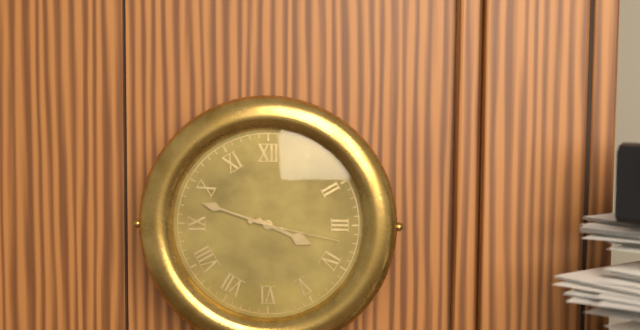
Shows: 3:48:17
